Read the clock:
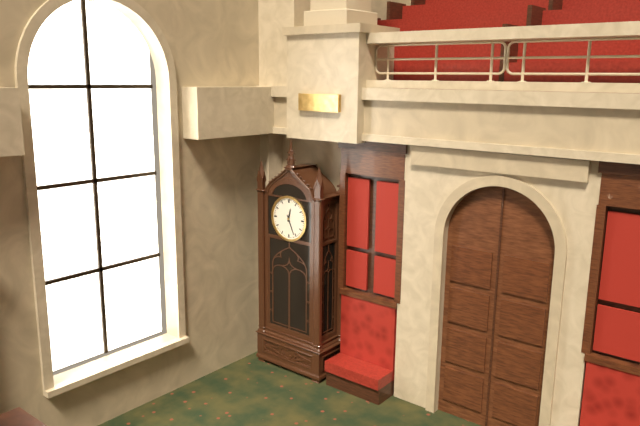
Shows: 12:26
